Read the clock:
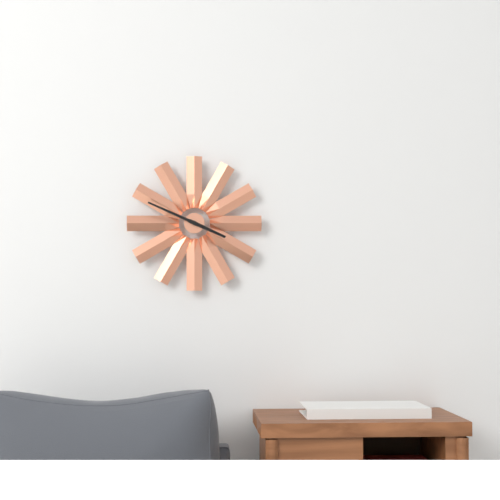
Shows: 3:49
